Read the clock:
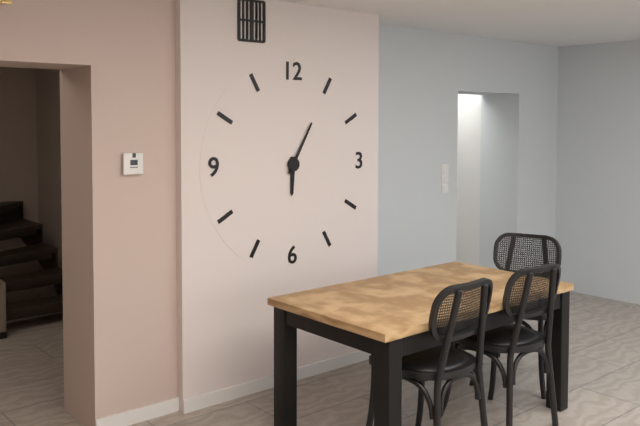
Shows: 6:05
